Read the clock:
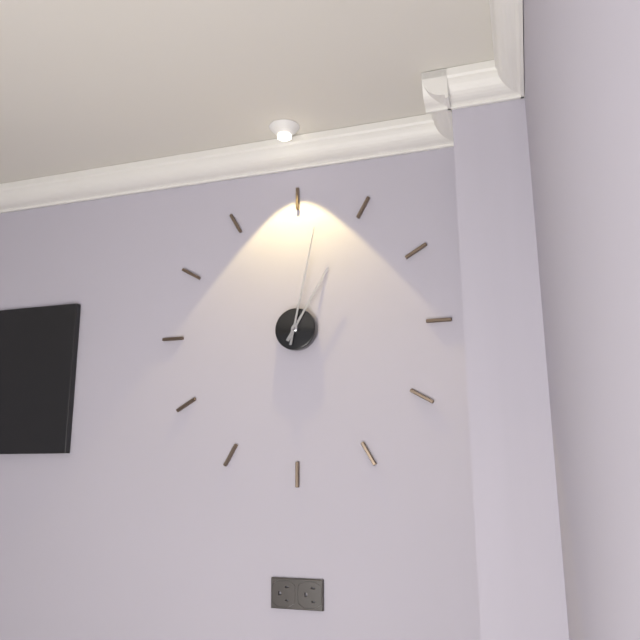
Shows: 1:02
